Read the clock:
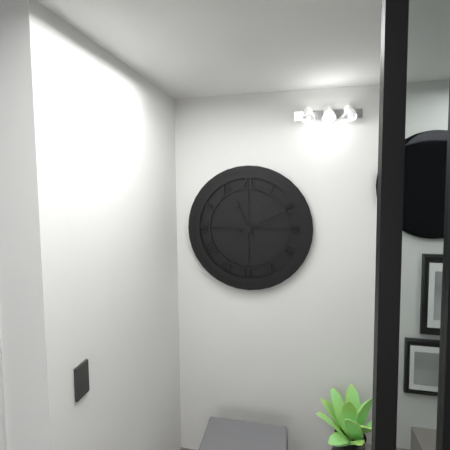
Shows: 11:11
